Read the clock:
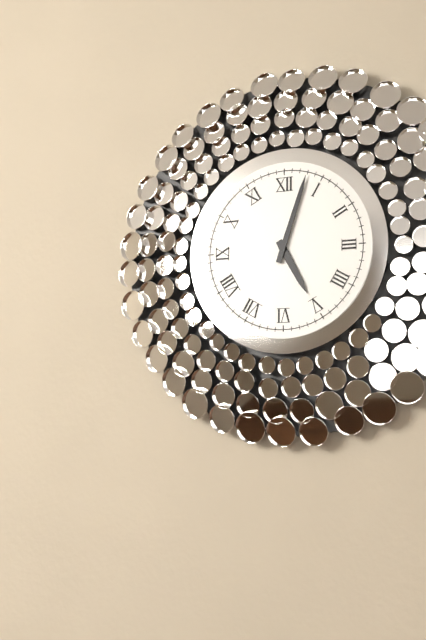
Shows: 5:03
